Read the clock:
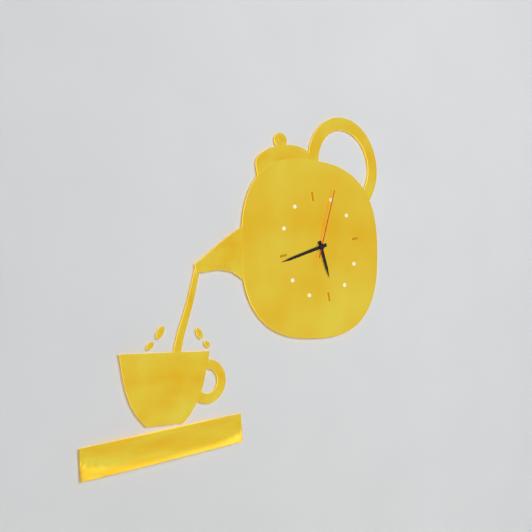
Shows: 5:44:05
